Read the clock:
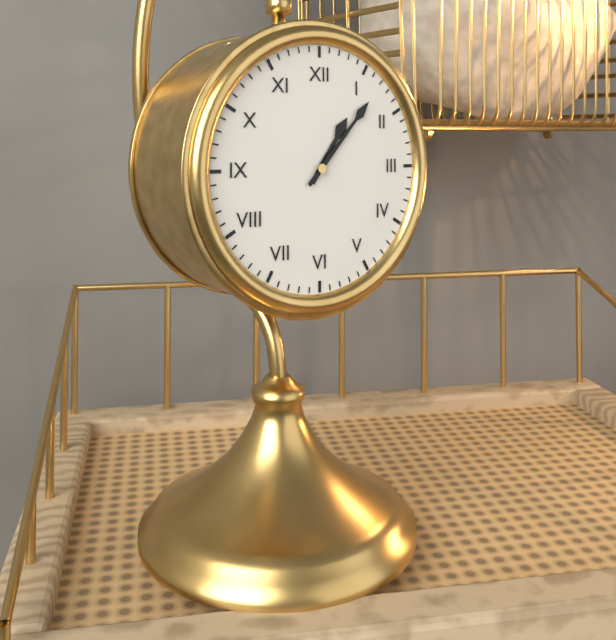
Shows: 1:07
